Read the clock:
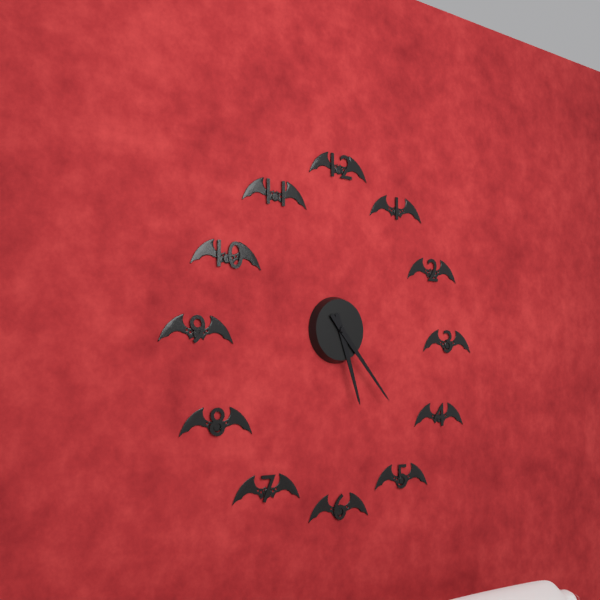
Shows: 5:23
